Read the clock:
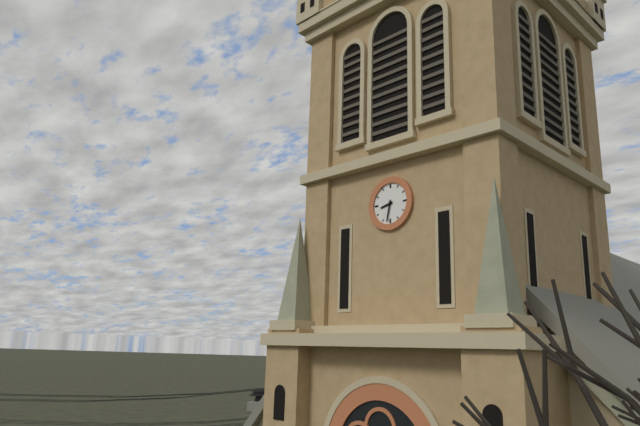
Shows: 8:32
